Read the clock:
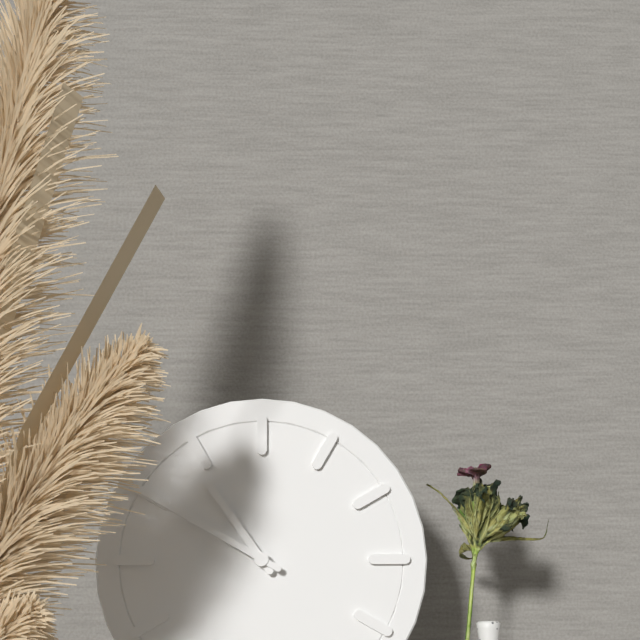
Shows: 10:50
